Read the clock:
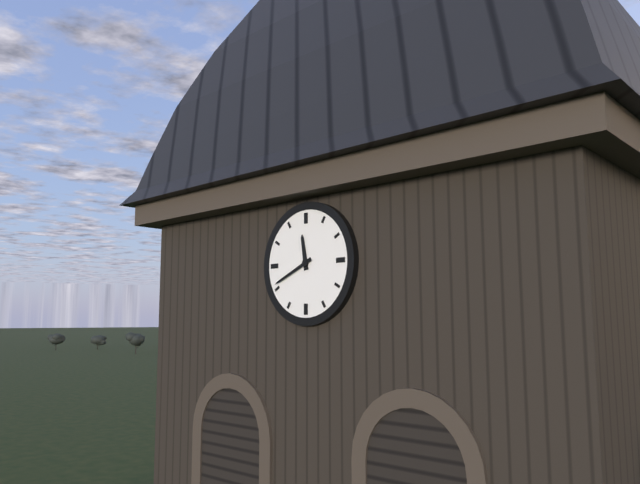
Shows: 11:41
